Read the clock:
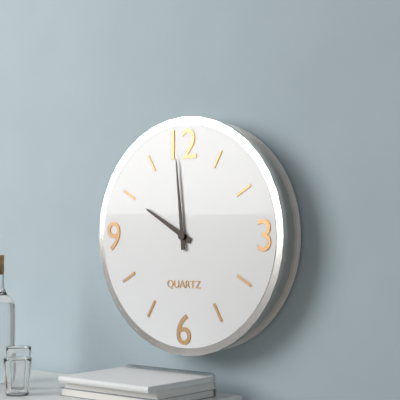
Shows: 9:59
